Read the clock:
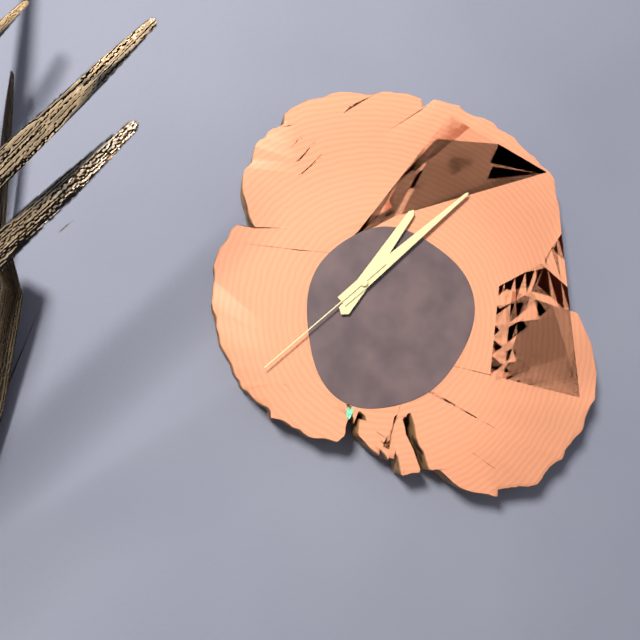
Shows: 1:08:38
